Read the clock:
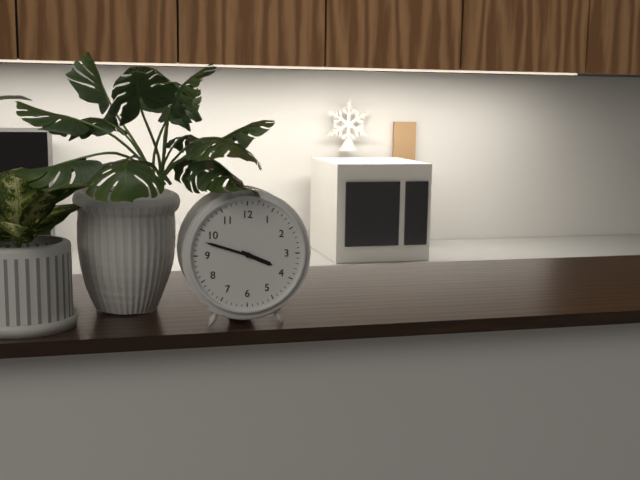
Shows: 3:48
